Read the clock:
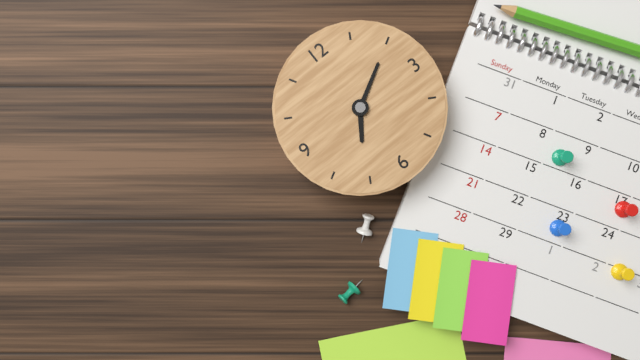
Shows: 7:10
